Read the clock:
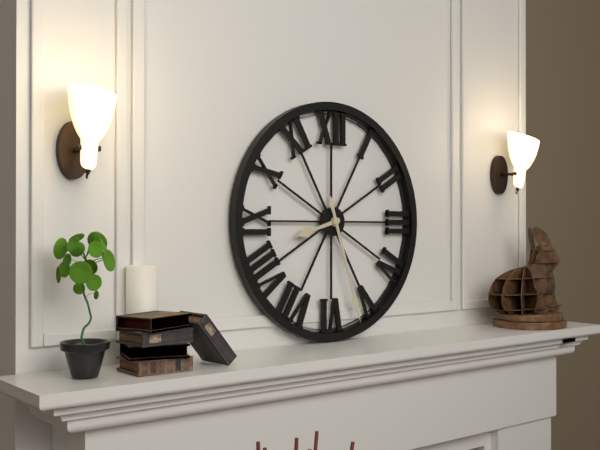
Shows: 8:27
